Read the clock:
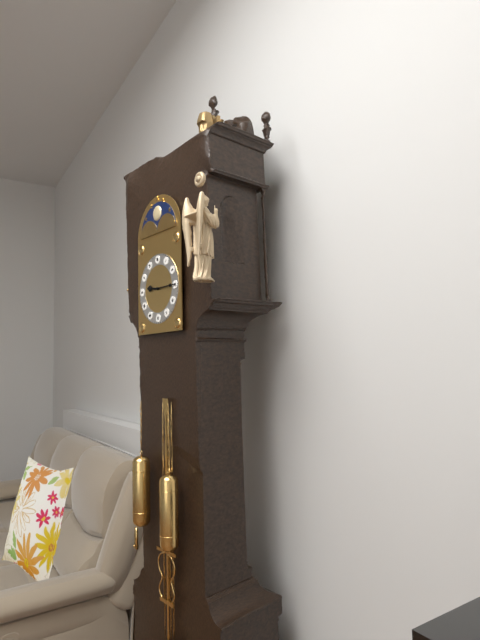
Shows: 9:15
